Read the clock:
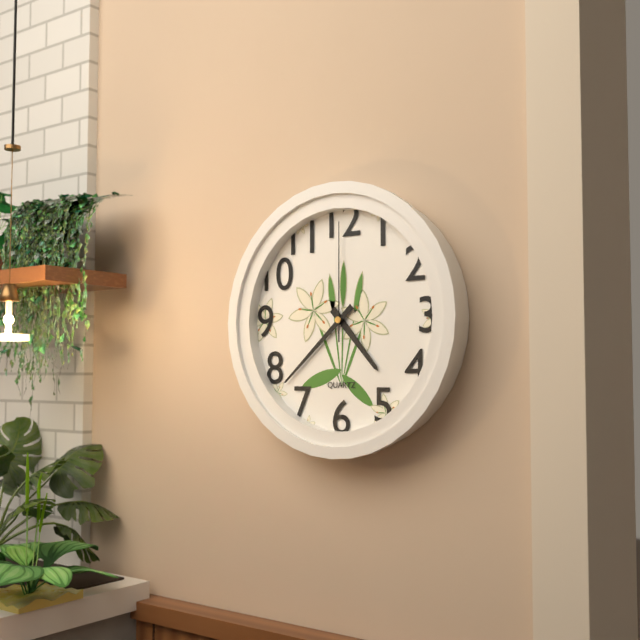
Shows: 4:38:00
